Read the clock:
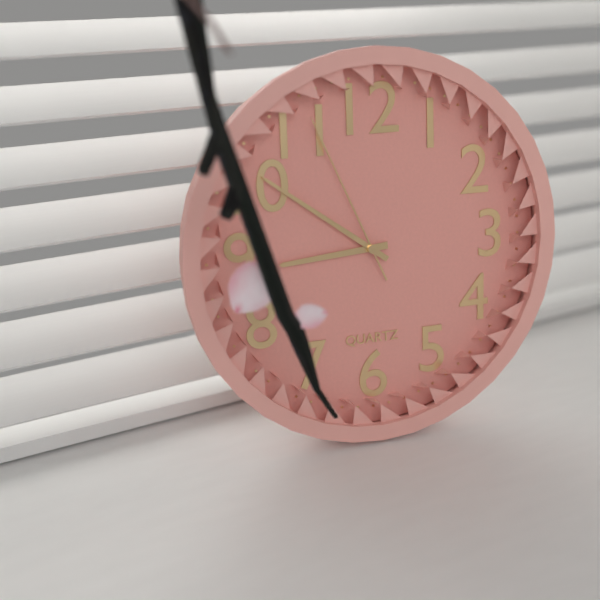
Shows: 8:51:56
